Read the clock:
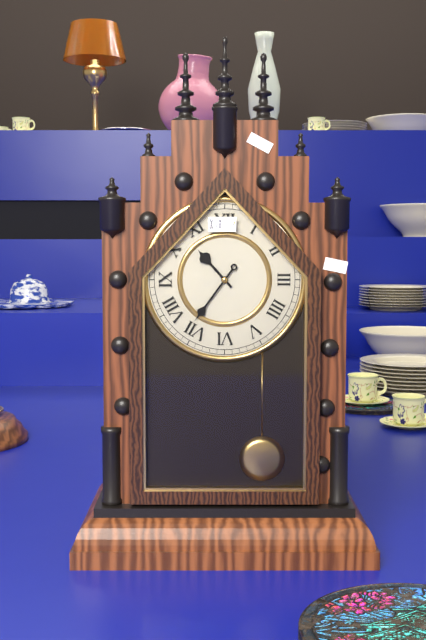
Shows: 10:36
